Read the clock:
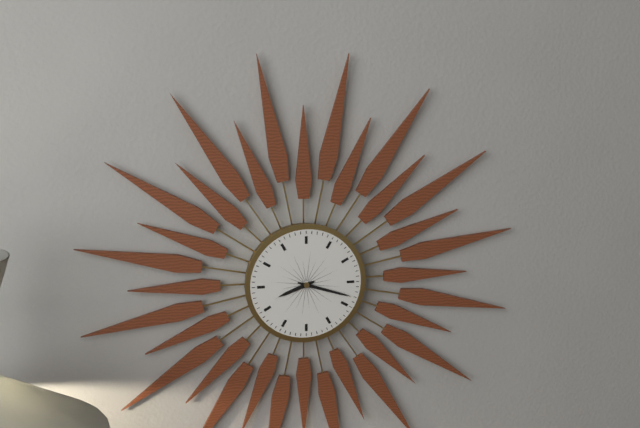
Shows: 8:18
